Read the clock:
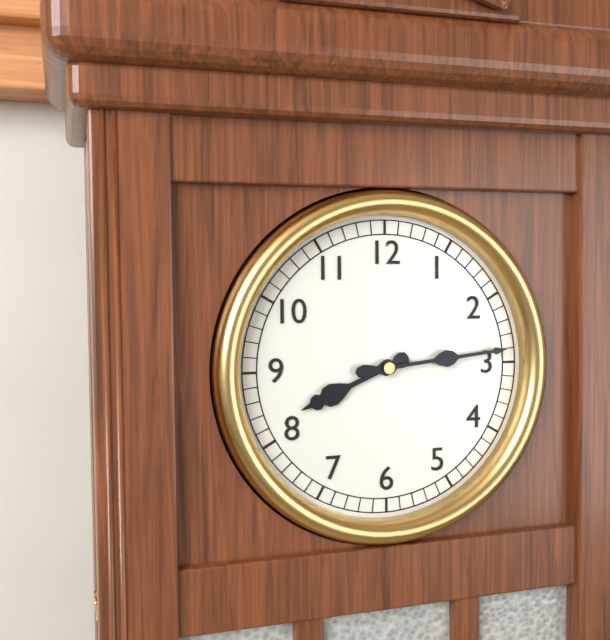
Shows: 8:14
